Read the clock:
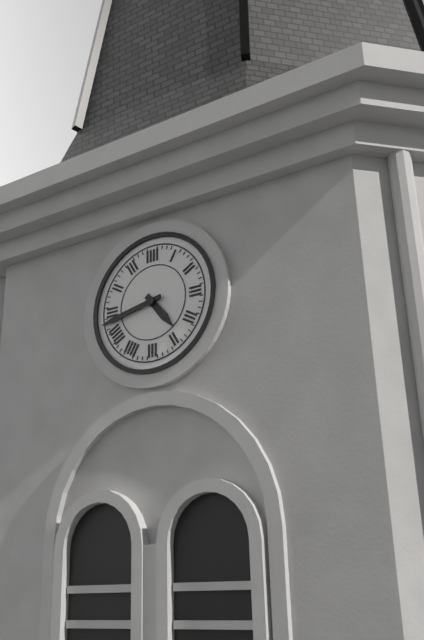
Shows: 4:43
